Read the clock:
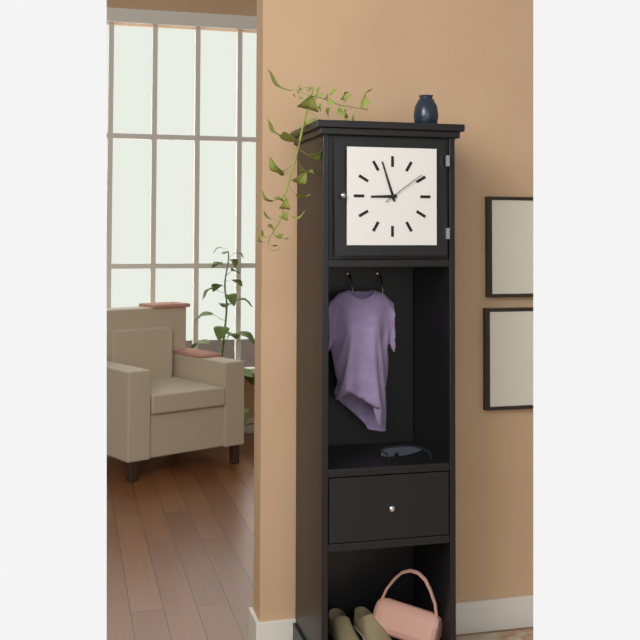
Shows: 8:57
